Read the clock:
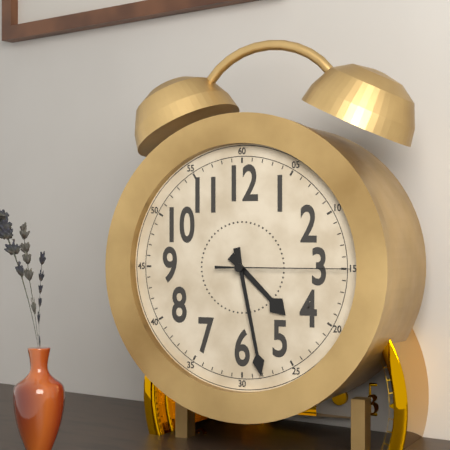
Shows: 4:28:15
